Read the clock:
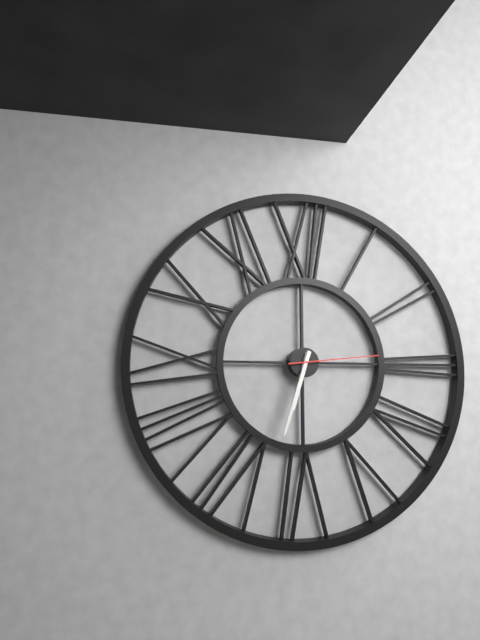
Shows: 6:33:14
